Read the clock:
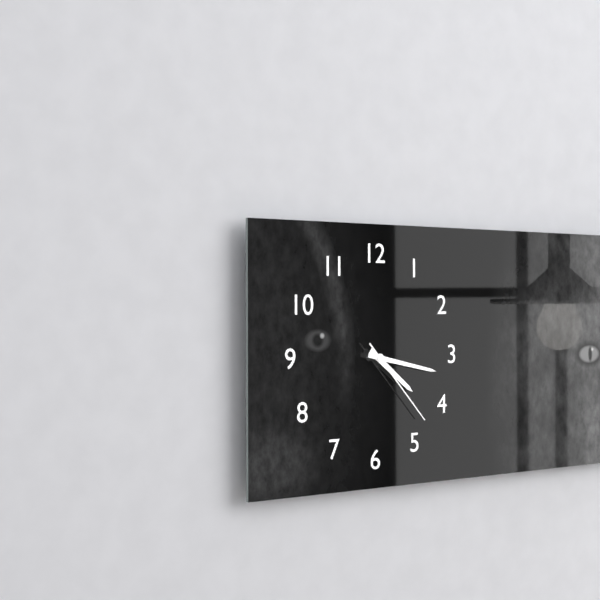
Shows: 4:17:23
